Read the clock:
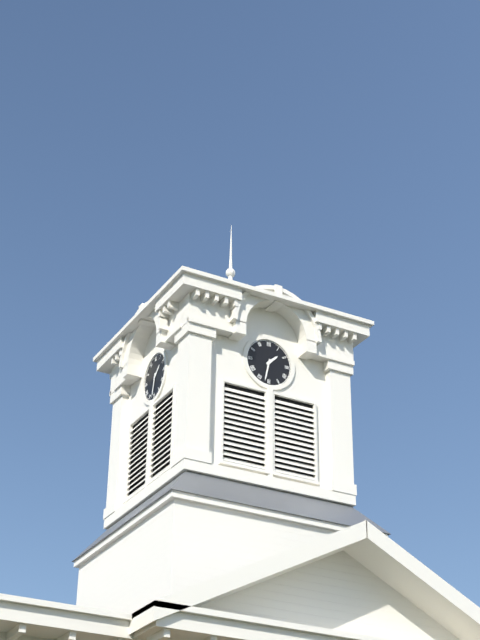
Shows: 1:32
